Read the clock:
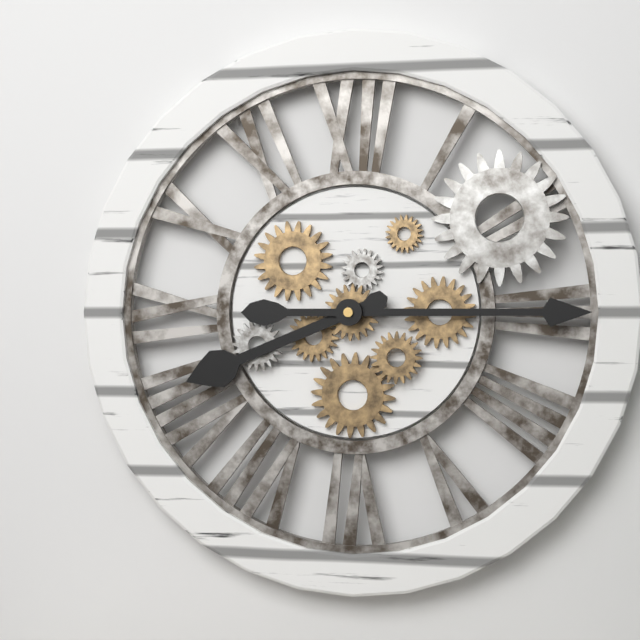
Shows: 8:15
